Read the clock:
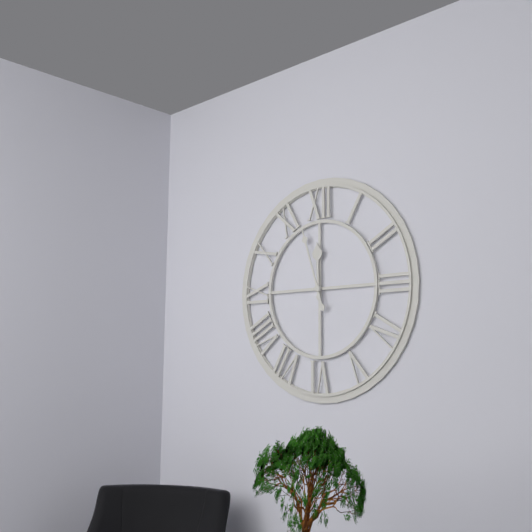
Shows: 11:57
